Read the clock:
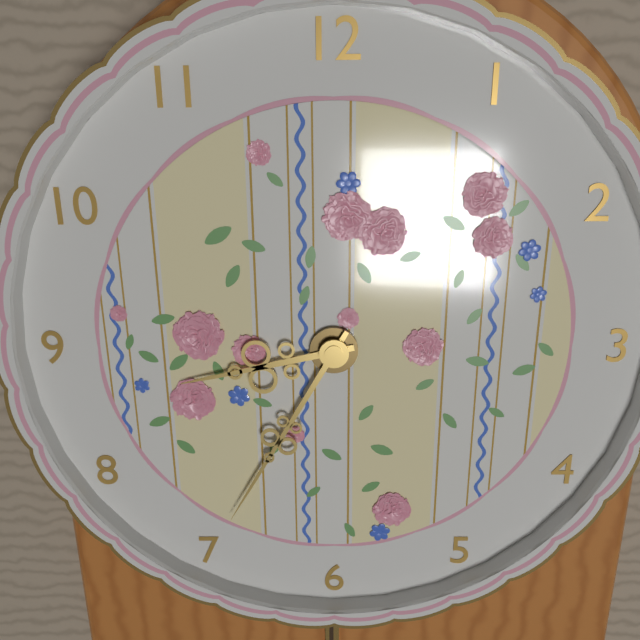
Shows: 8:35
